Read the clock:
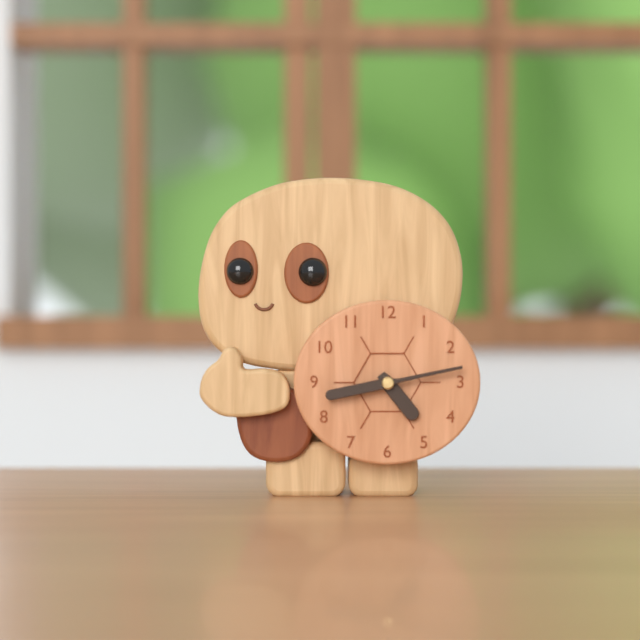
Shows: 4:43
